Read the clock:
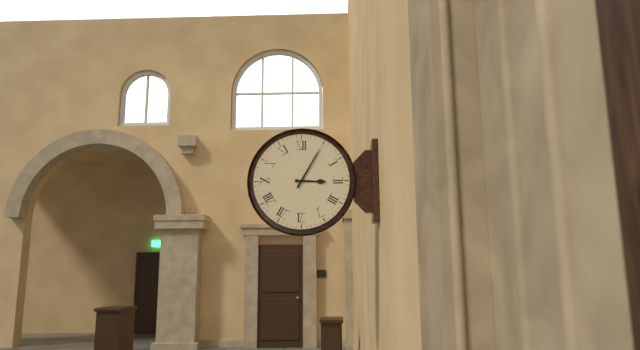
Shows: 3:05
